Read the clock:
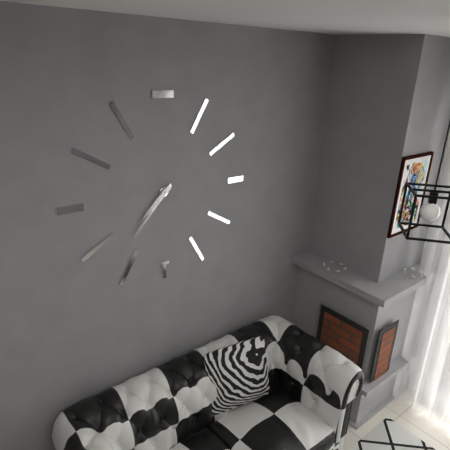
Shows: 7:37
